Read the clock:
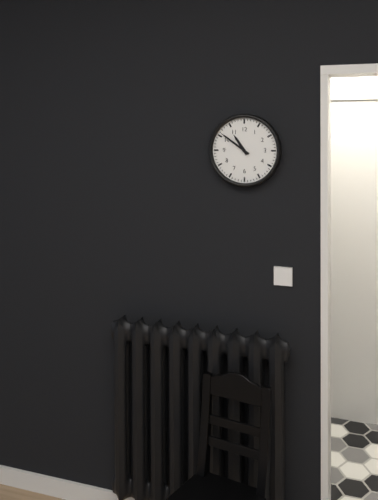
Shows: 10:51
